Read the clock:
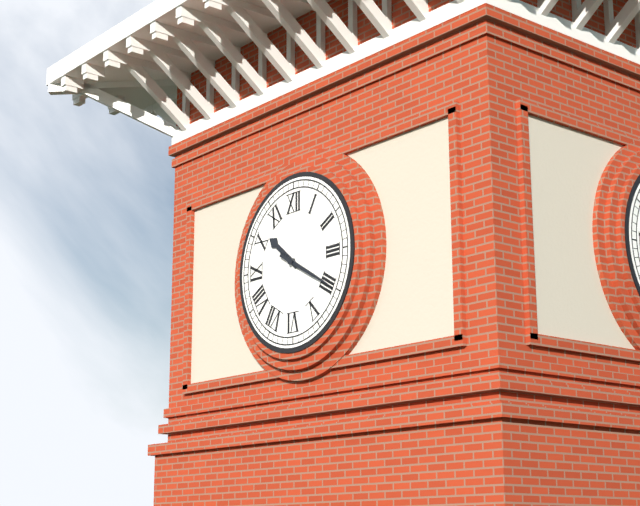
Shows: 10:20
